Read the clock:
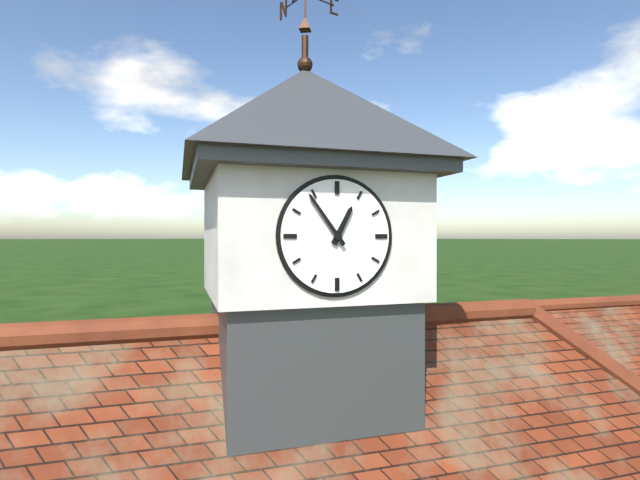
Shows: 12:54
